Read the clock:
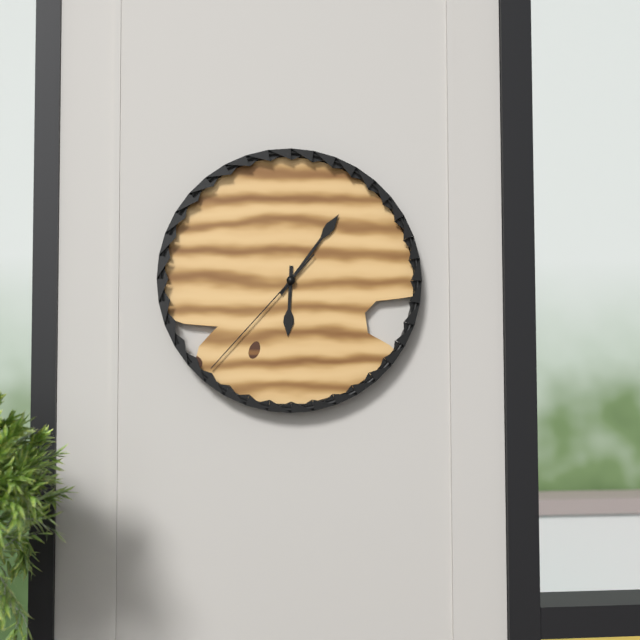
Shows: 6:06:37
